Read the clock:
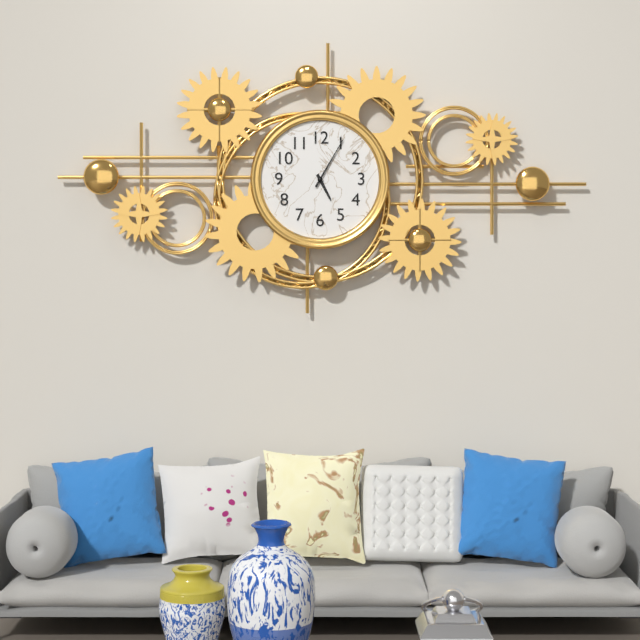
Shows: 5:05
